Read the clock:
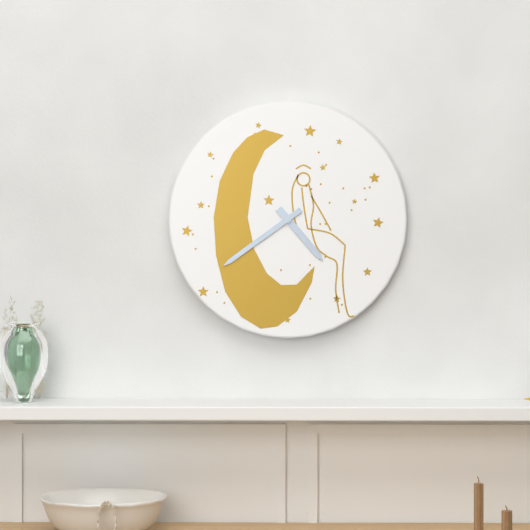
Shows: 4:39
